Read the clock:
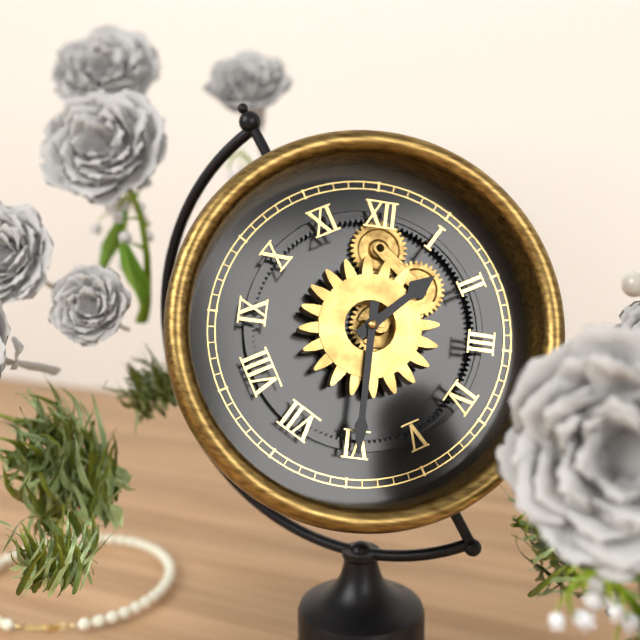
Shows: 1:30
